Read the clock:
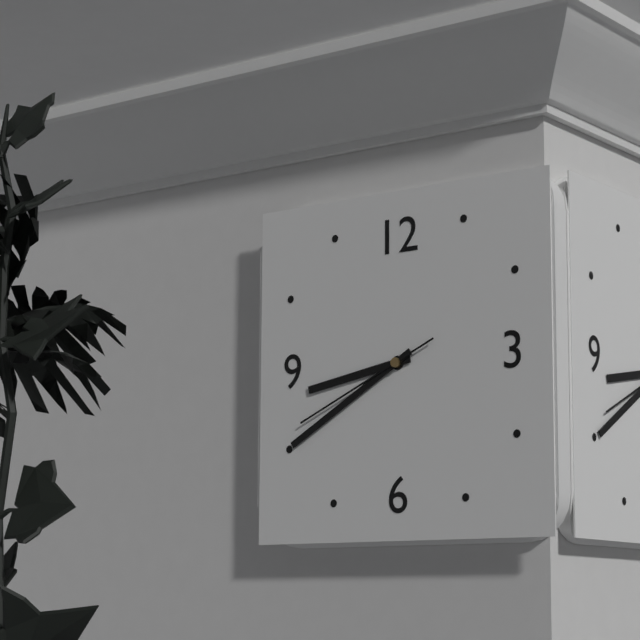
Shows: 8:40:41
